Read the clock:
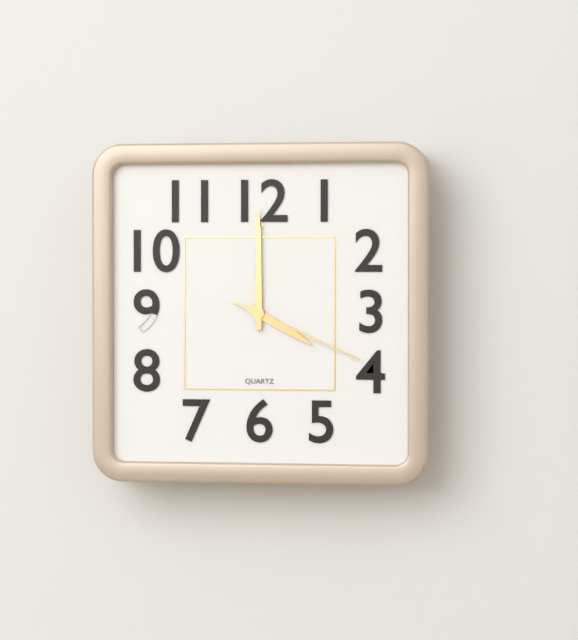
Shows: 4:00:19
